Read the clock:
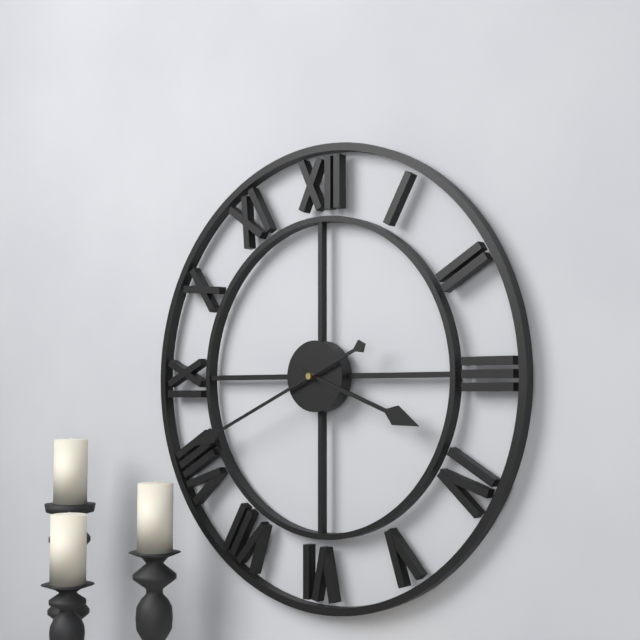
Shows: 3:41
